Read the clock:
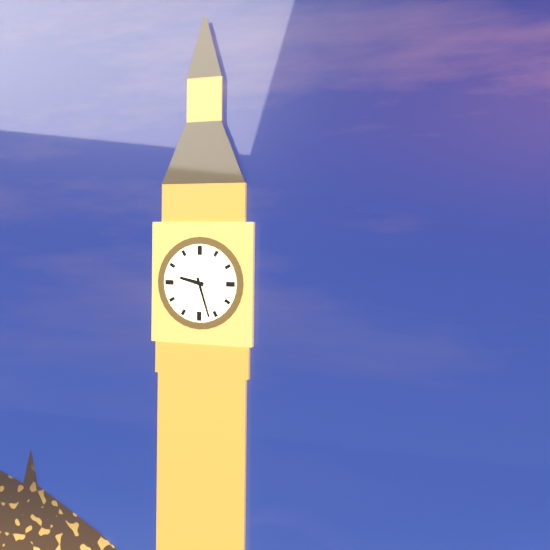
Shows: 9:27
